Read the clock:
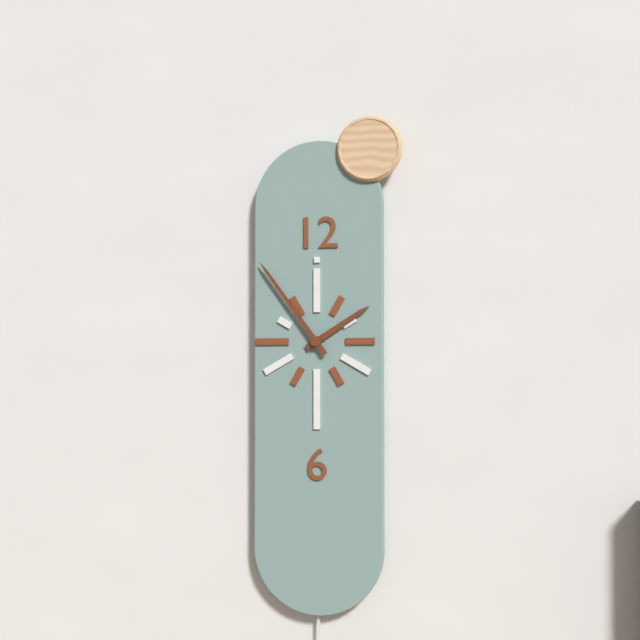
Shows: 1:54
